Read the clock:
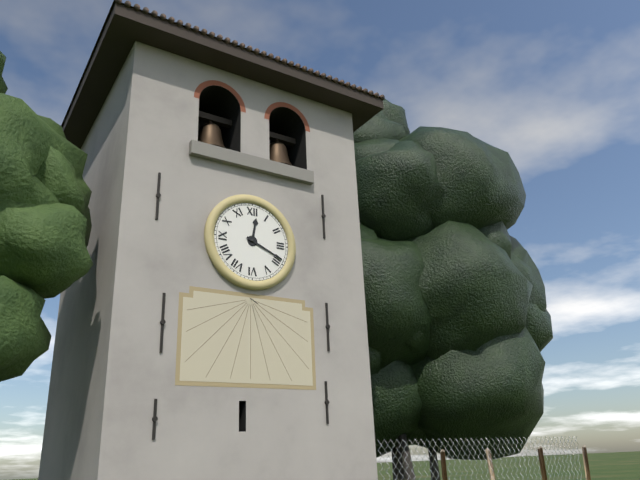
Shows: 12:19
